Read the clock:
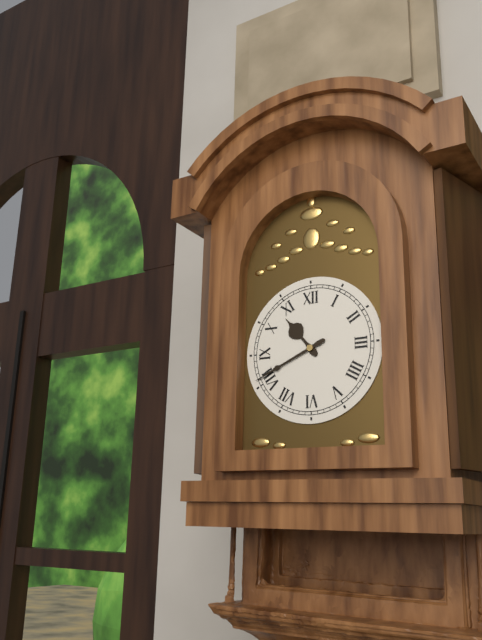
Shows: 10:41
